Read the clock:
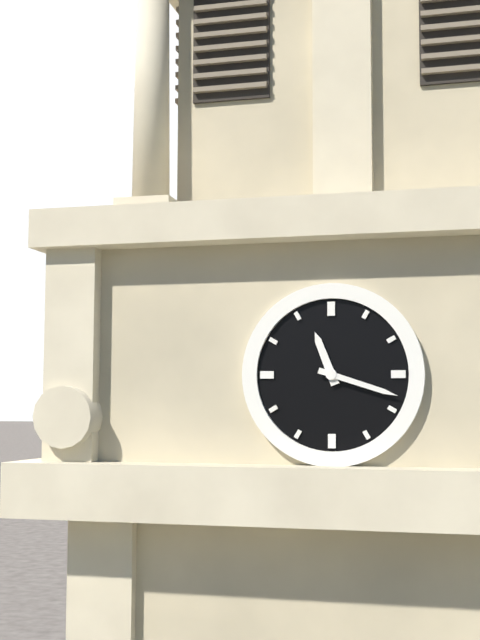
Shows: 11:18
